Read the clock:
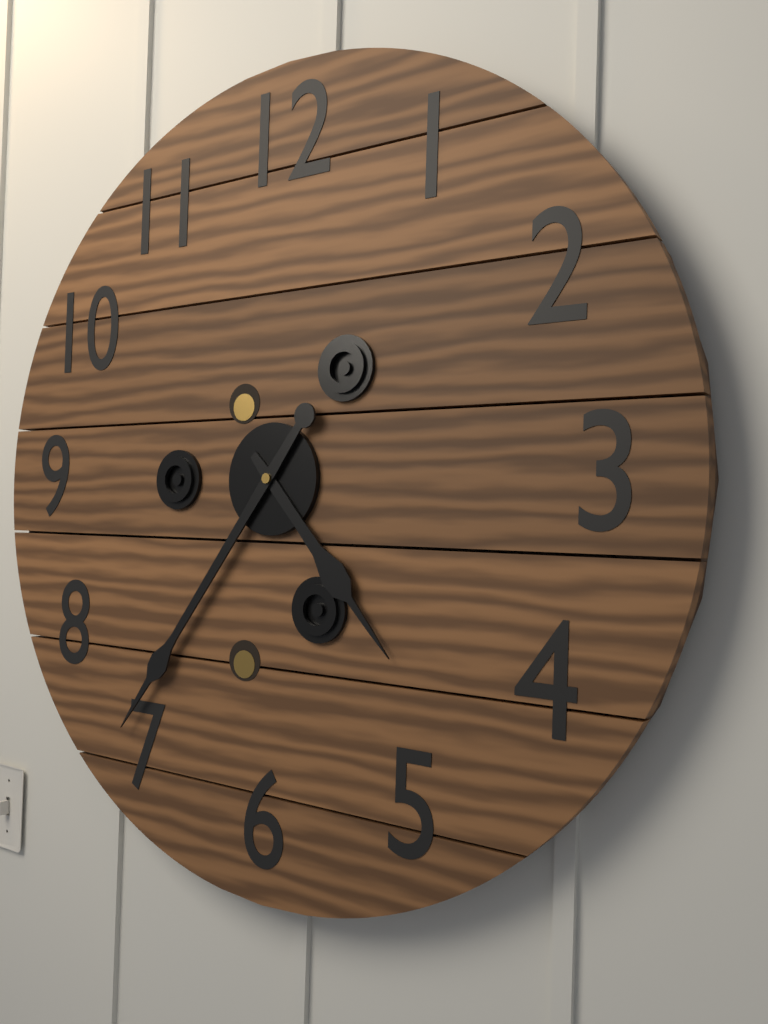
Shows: 4:36
